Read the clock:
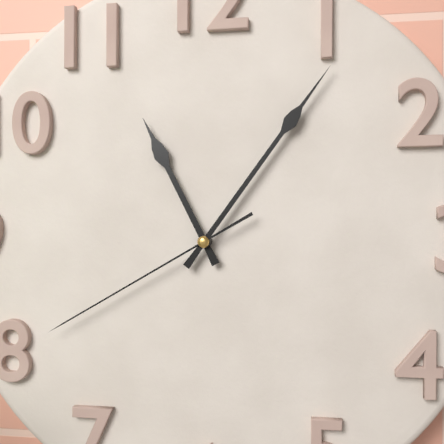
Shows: 11:06:40
